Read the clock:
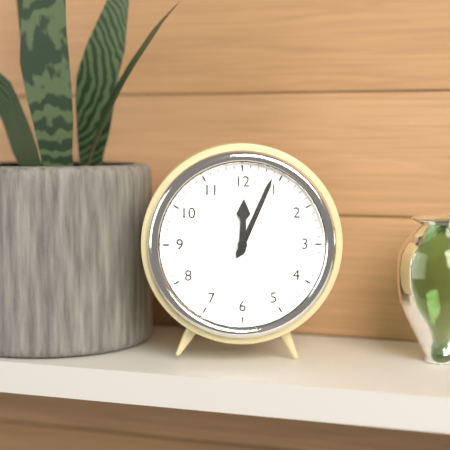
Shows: 12:04
